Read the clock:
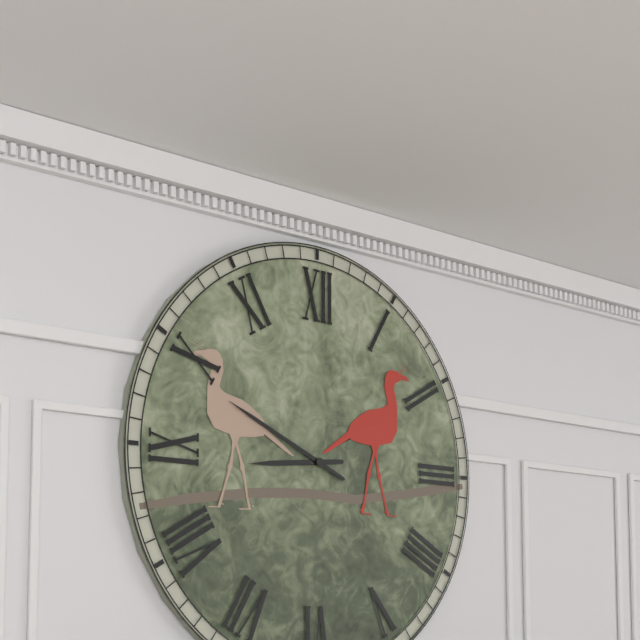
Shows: 8:49
